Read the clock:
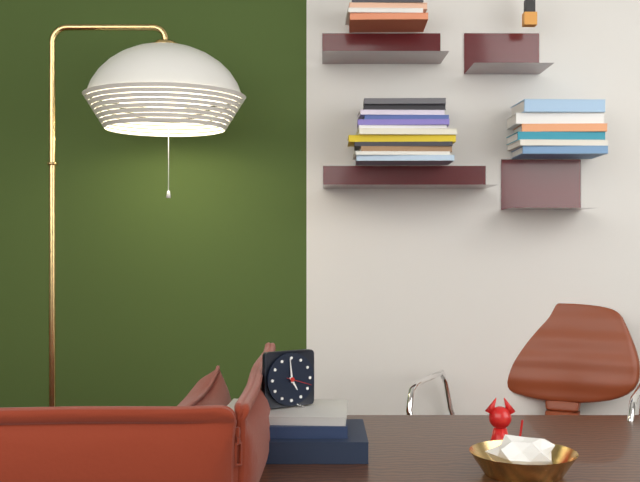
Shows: 4:59
